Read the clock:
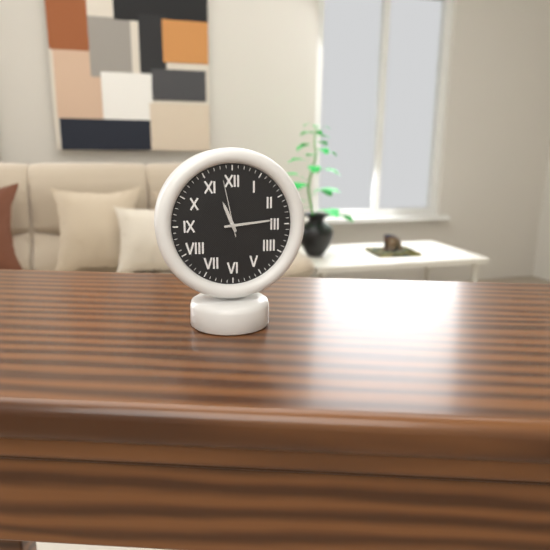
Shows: 11:14:58
